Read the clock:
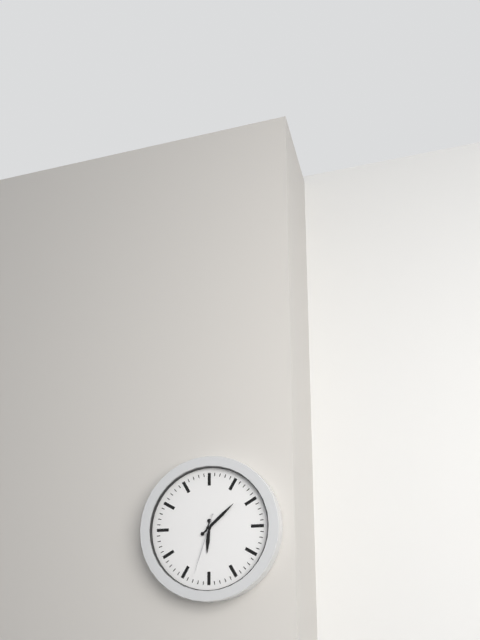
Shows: 6:08:33
